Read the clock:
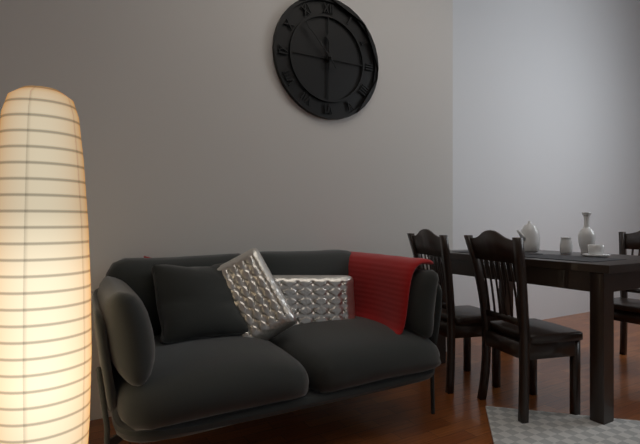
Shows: 11:53
